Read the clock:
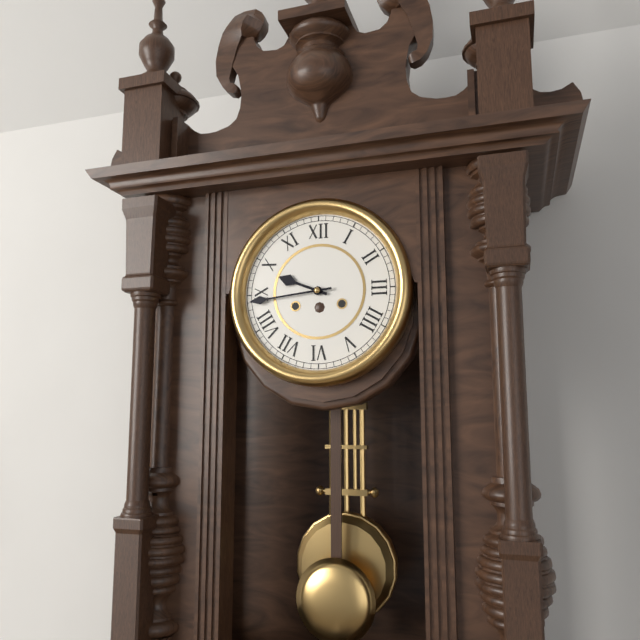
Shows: 9:44
